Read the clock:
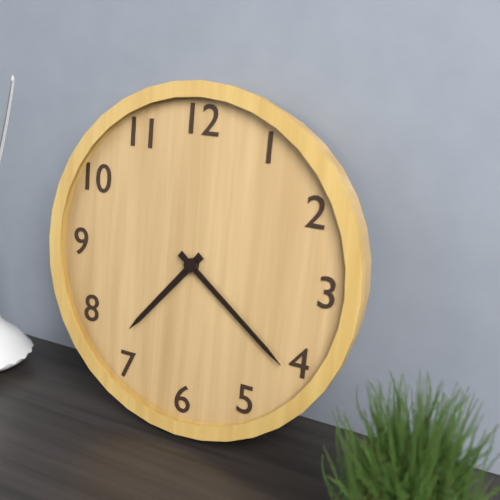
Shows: 7:21
